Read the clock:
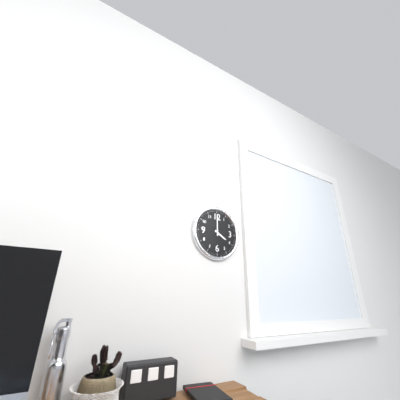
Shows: 4:00
